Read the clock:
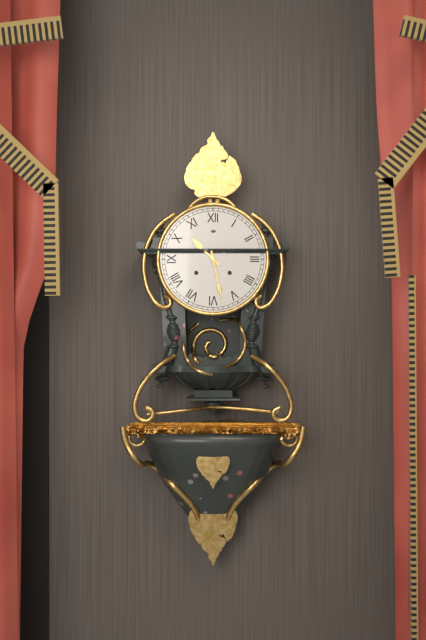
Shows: 10:28
